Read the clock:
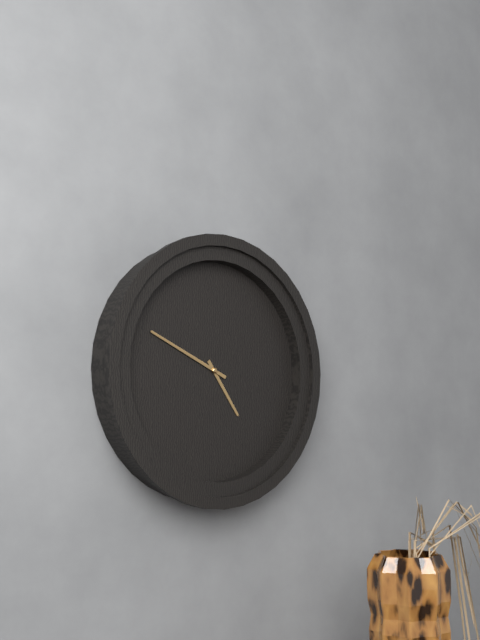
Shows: 4:49
